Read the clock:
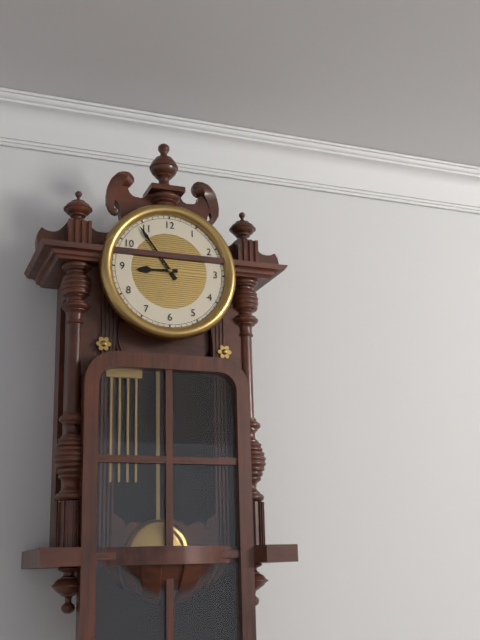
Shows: 8:54
